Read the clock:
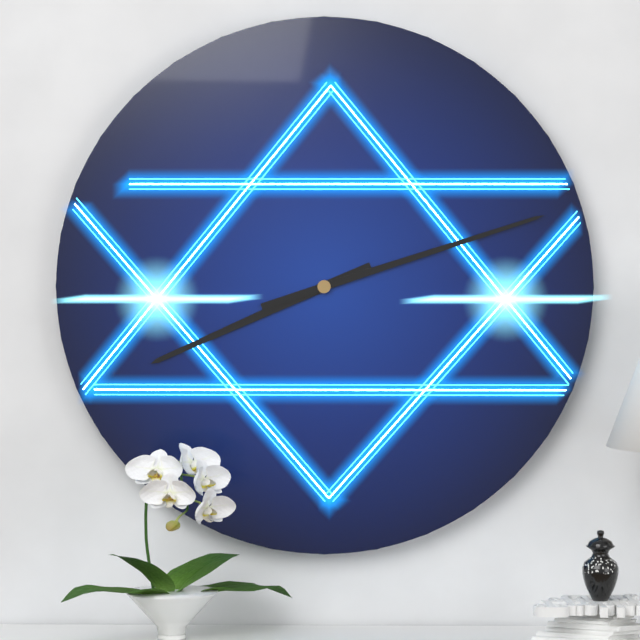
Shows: 8:12
